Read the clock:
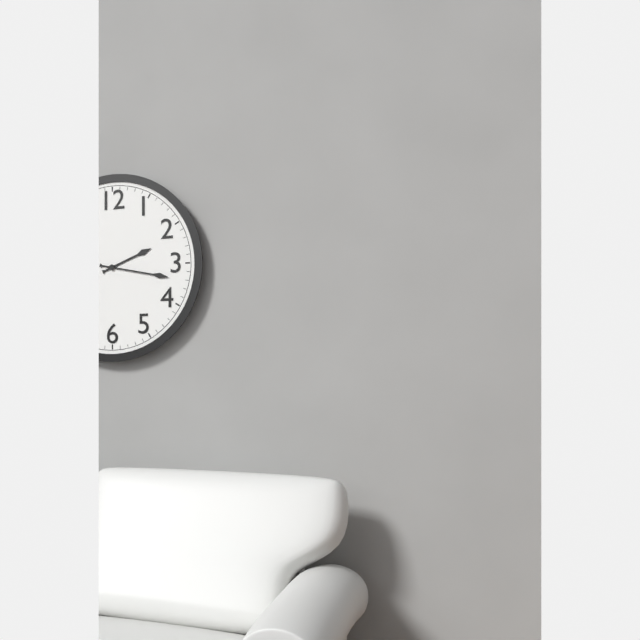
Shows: 2:17
